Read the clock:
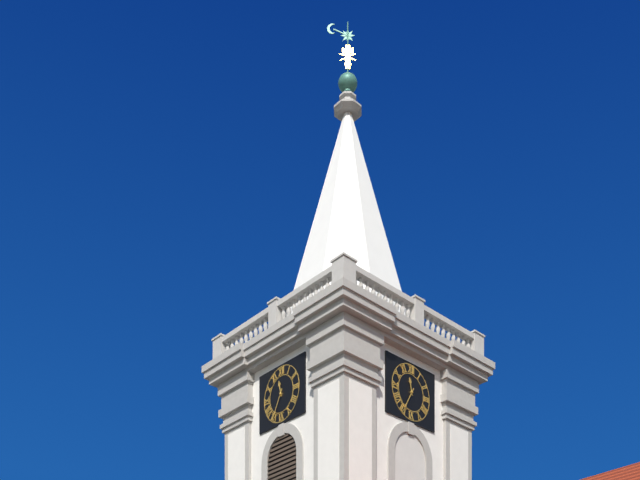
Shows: 11:35
